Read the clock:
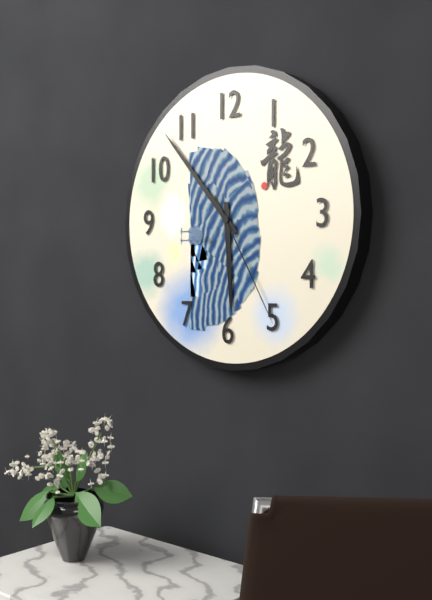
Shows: 5:53:25
